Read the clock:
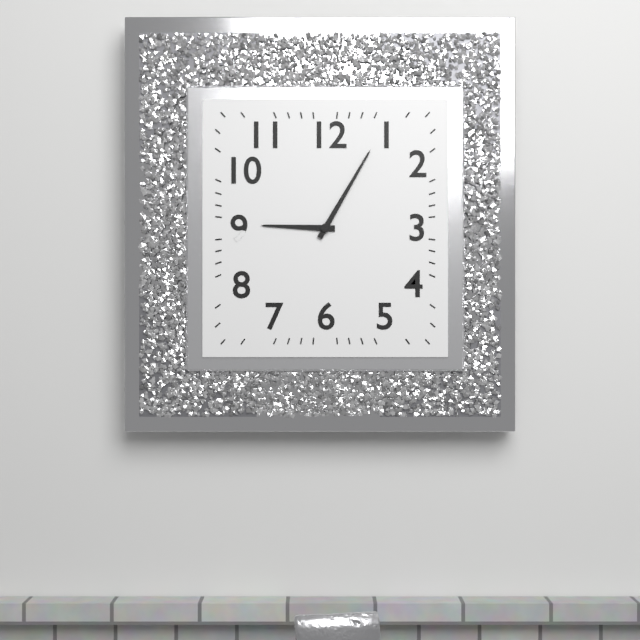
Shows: 9:05
